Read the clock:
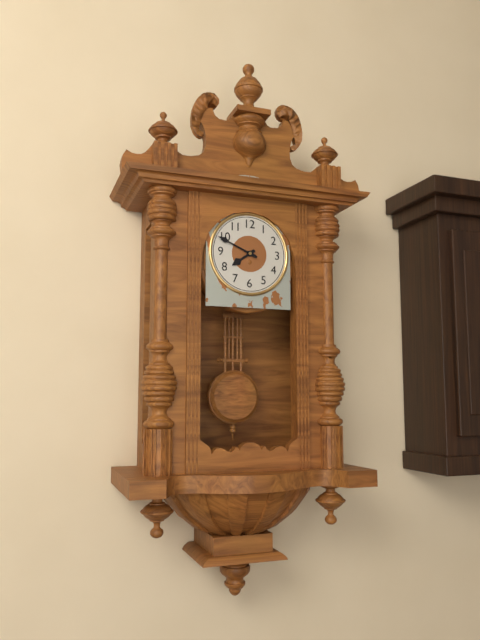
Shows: 7:49
